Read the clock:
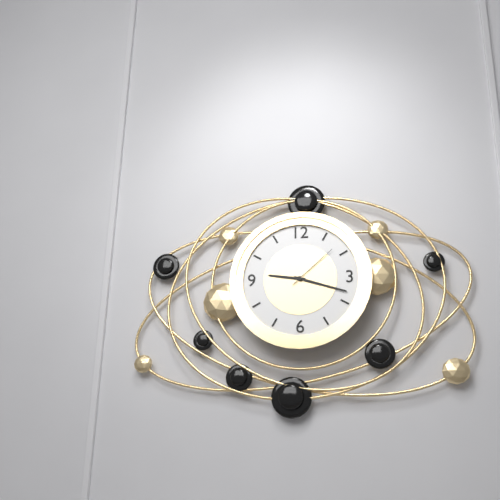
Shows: 9:18:08
